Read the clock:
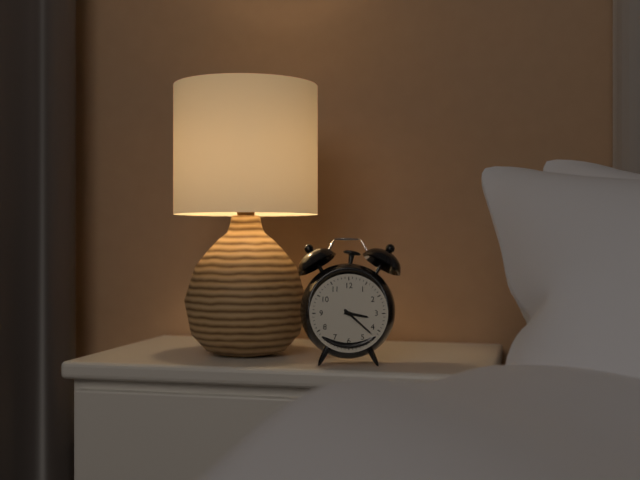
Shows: 3:22
